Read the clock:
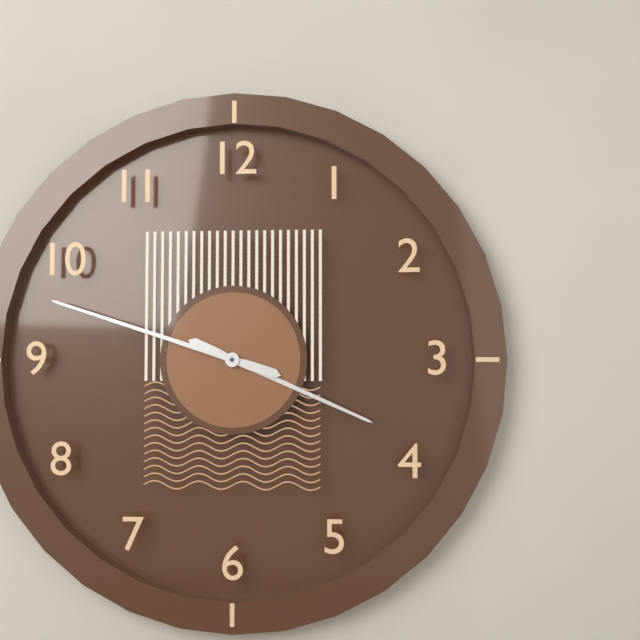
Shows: 3:48
